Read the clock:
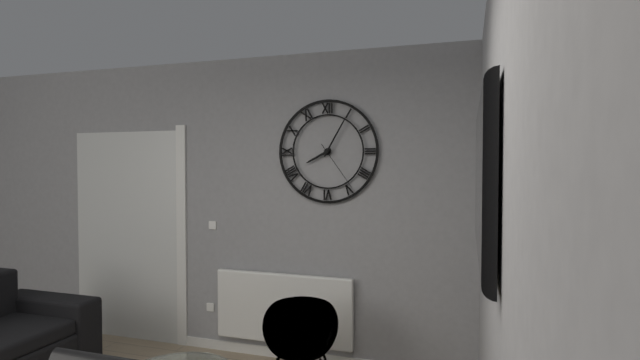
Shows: 8:05:24
